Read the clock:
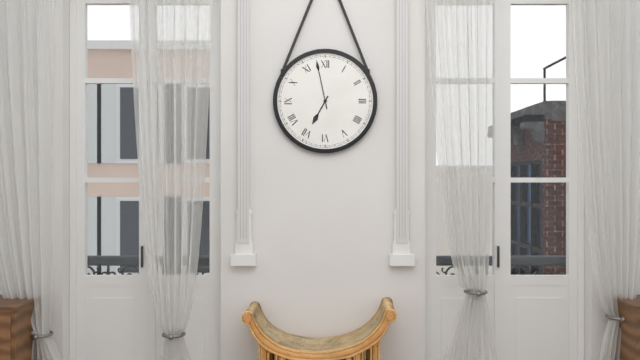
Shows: 6:58
